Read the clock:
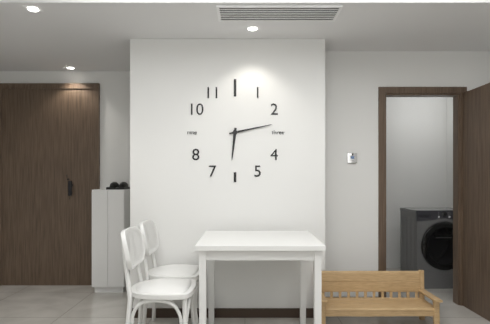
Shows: 6:13
